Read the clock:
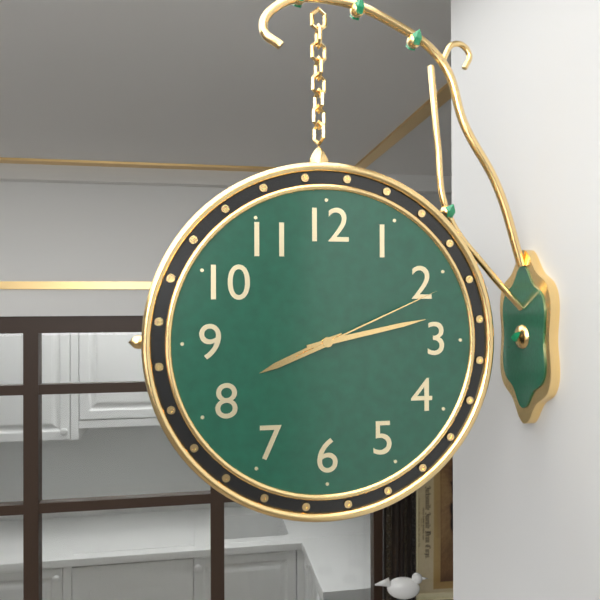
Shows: 8:13:11
